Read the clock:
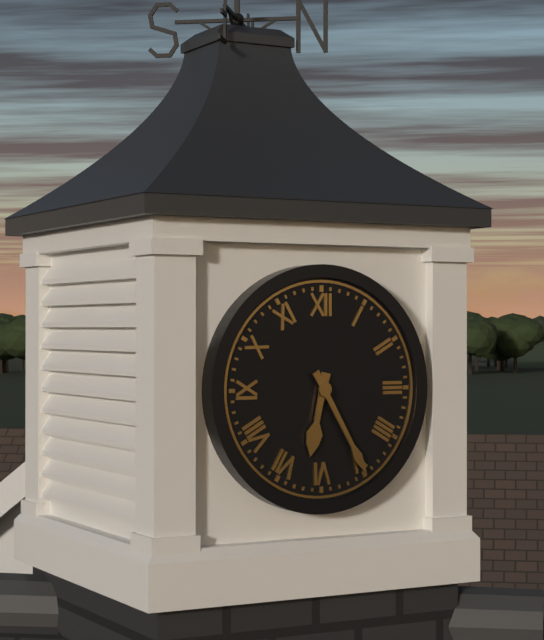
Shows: 6:25
